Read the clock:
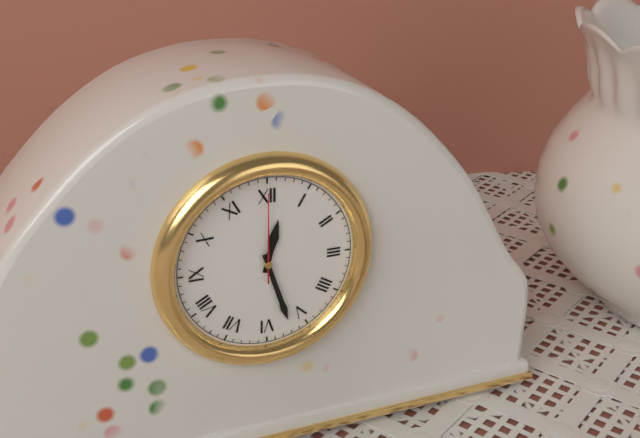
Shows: 12:27:00
